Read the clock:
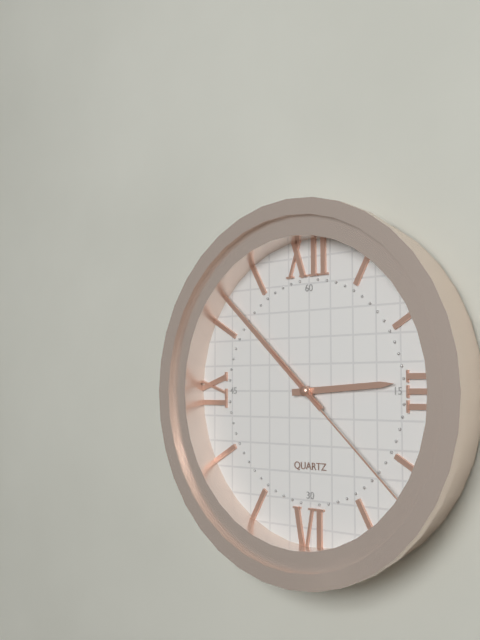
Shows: 2:52:22
